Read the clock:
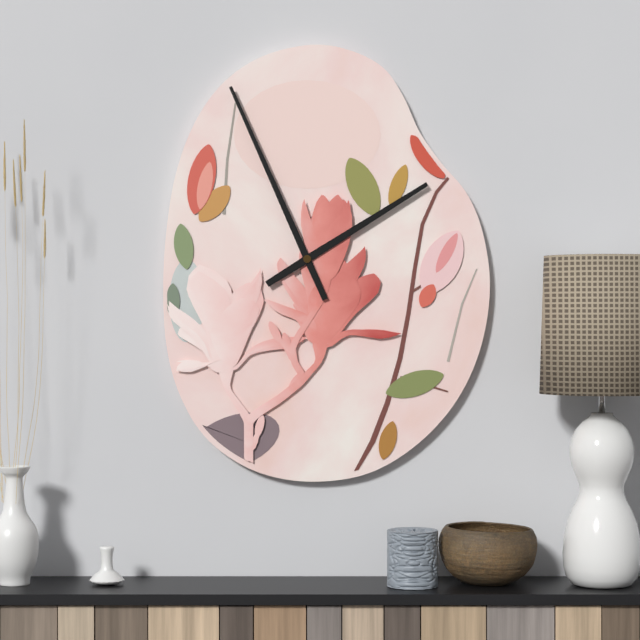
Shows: 1:56
